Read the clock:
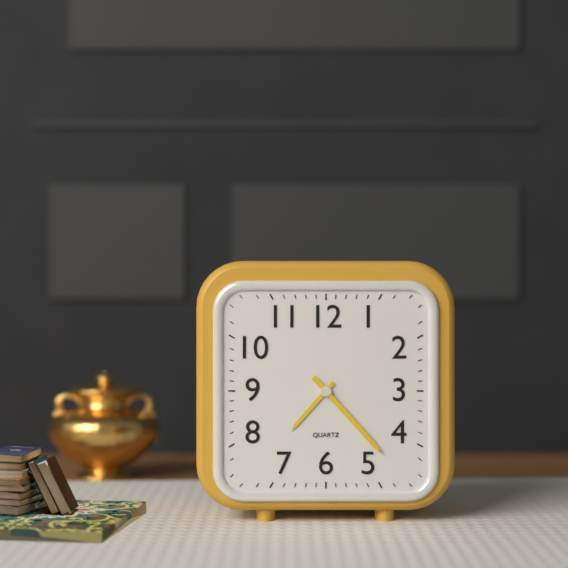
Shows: 7:23:23
